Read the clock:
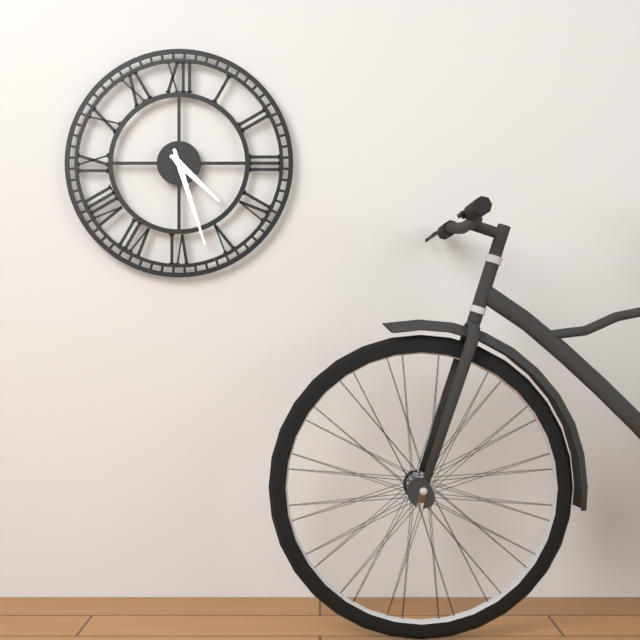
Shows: 4:27
